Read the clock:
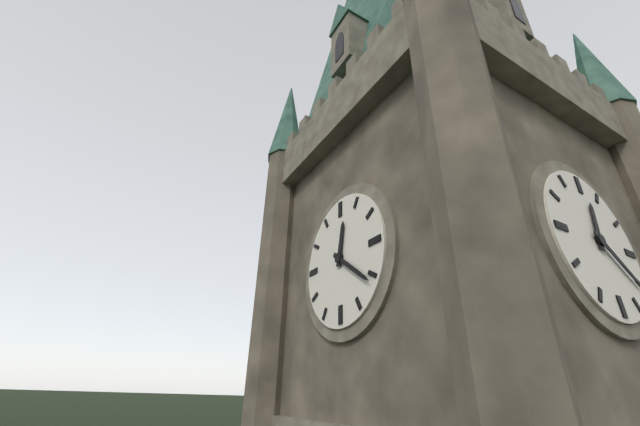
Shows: 12:21
